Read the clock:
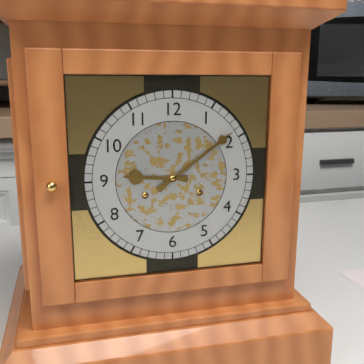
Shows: 9:09
